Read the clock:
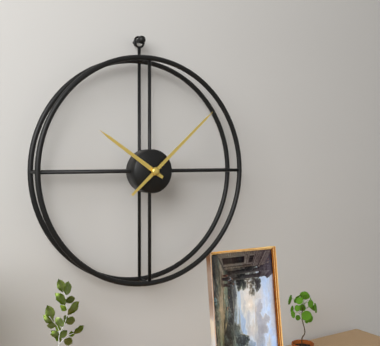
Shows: 10:08
